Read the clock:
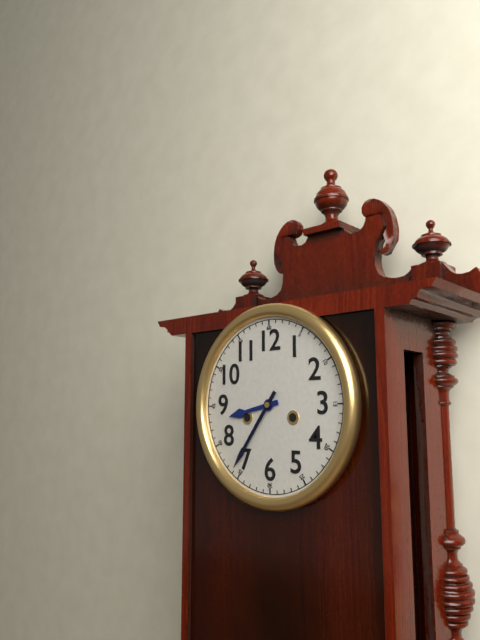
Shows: 8:36
